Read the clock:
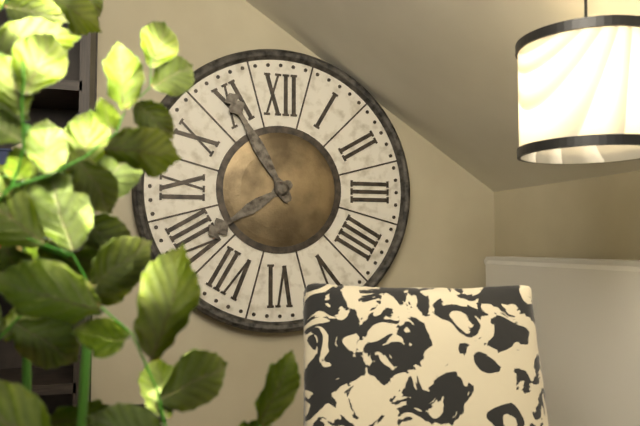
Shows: 7:55
